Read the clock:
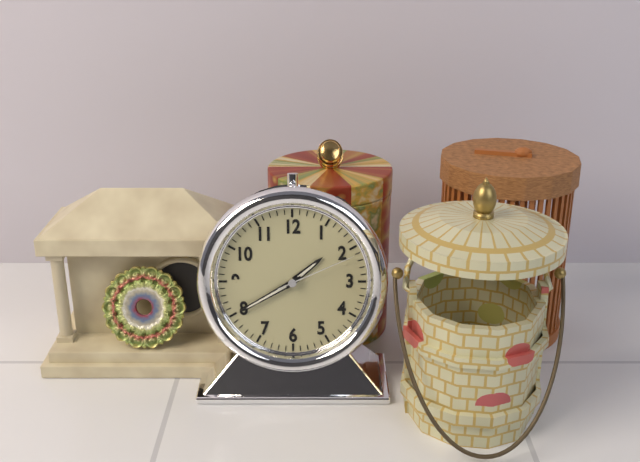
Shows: 1:40:11
